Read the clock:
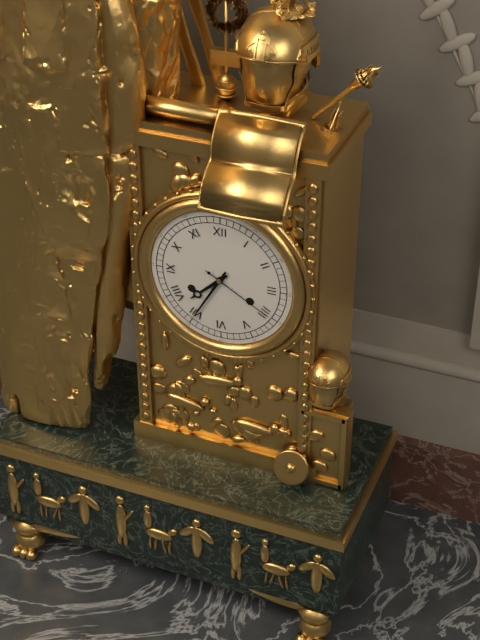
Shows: 7:35:20
